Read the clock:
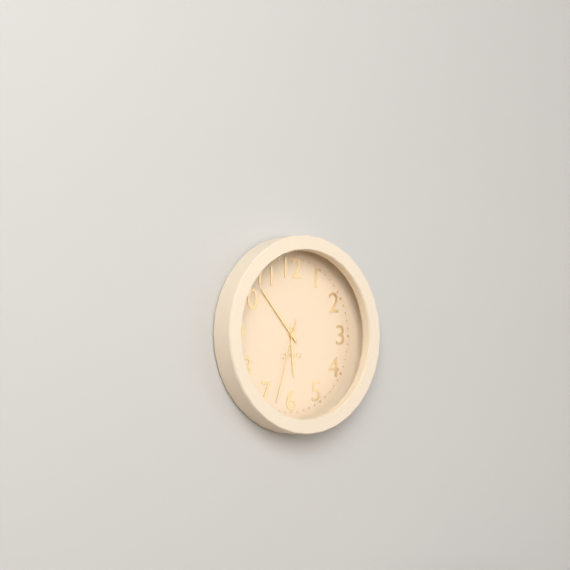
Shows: 5:53:33
